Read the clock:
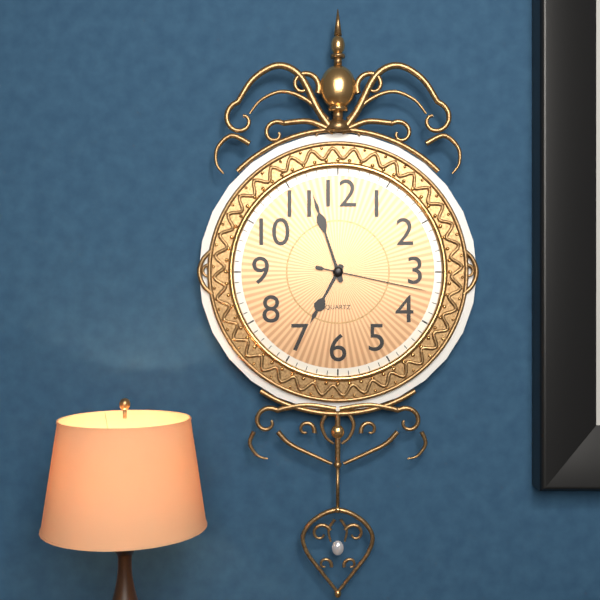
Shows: 6:57:17
